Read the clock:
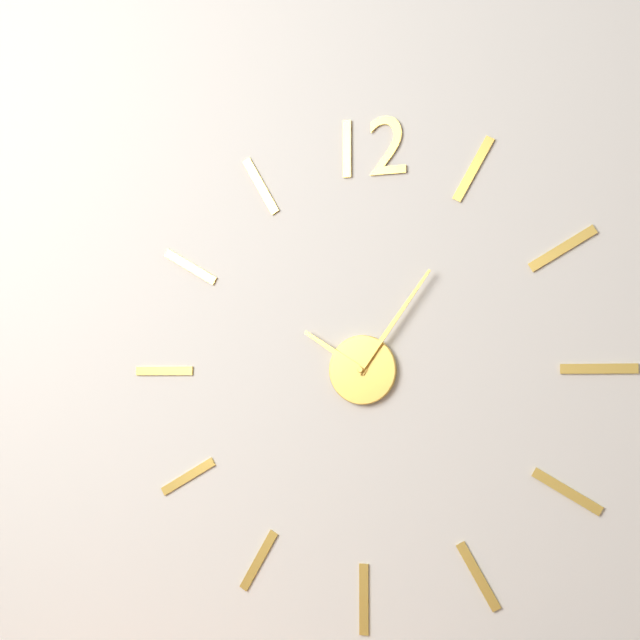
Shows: 10:06
